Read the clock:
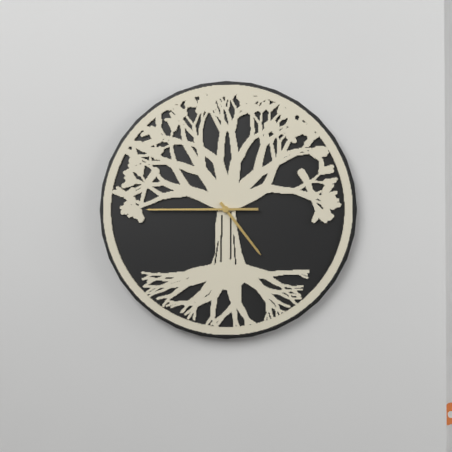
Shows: 4:45
